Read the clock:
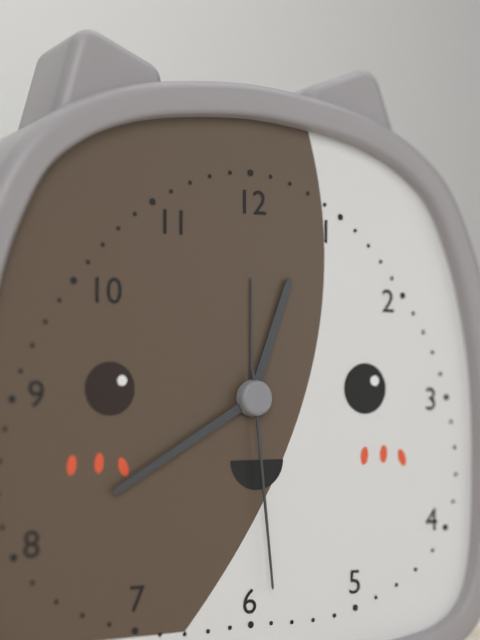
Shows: 12:40:29
